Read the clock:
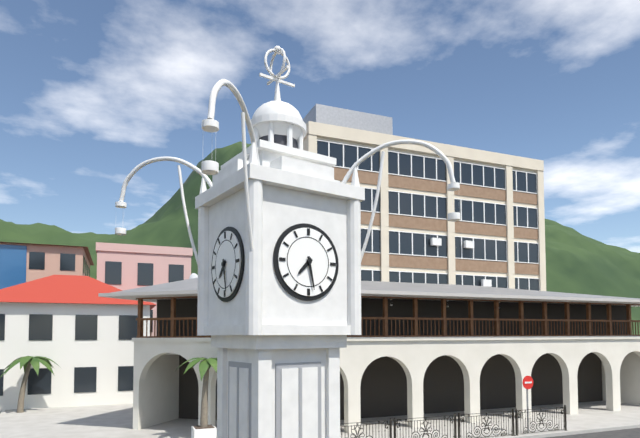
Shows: 7:28
